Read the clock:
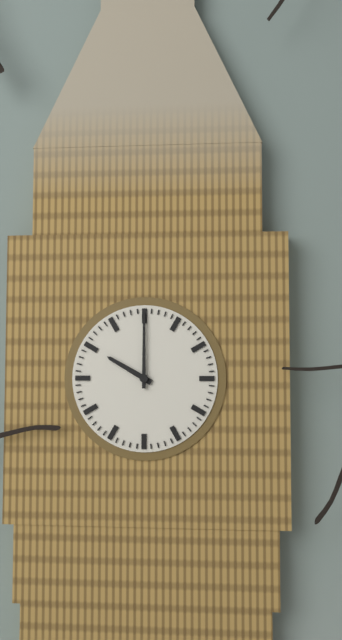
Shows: 10:00
